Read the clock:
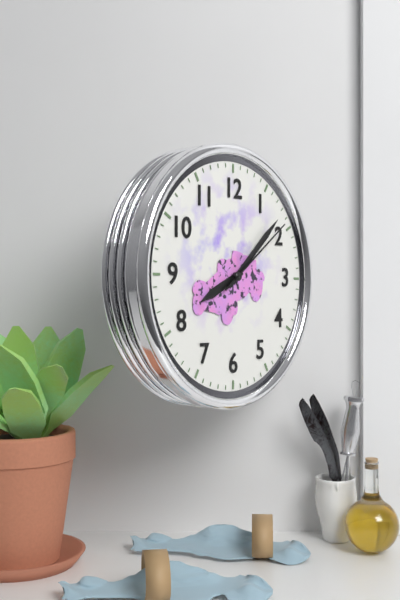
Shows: 8:08:09
